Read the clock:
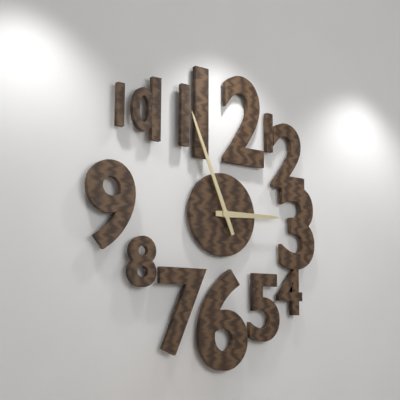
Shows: 2:56
